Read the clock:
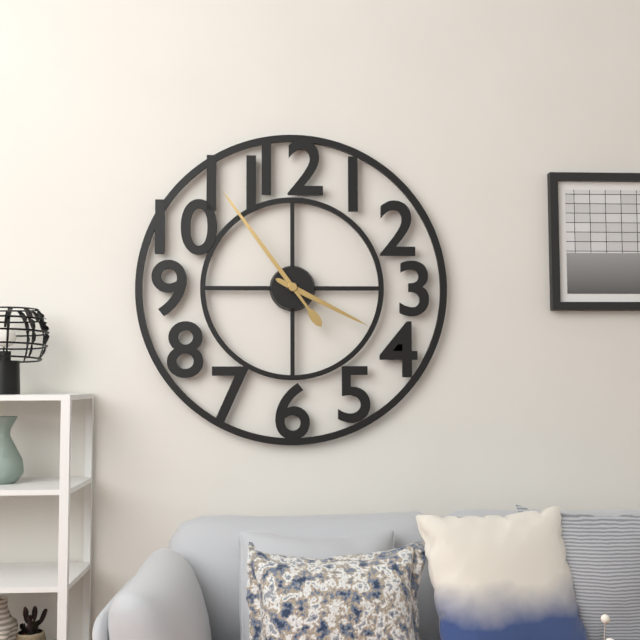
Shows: 3:54
